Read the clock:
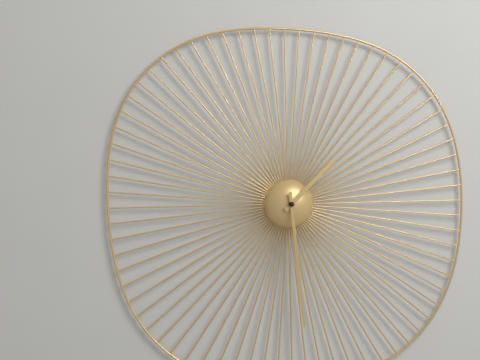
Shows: 1:29
